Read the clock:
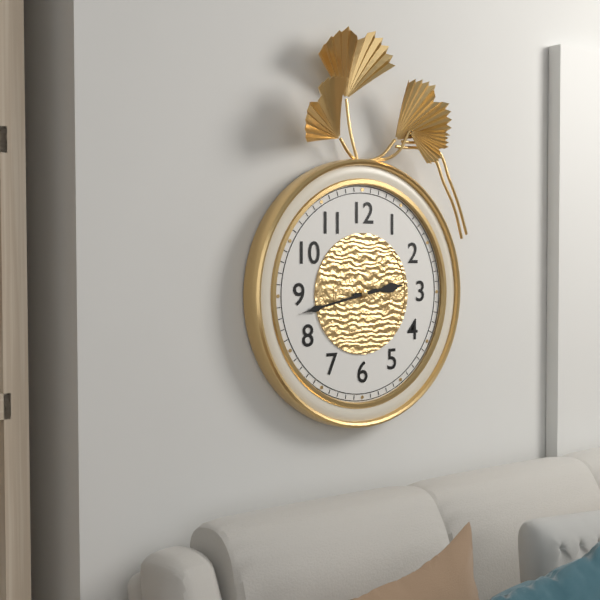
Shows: 2:43
